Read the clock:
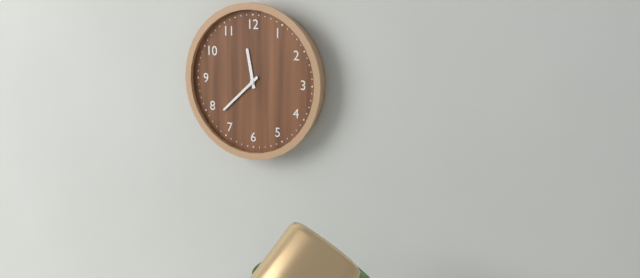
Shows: 11:38
